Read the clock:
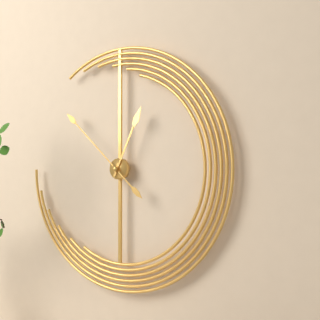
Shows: 12:52
